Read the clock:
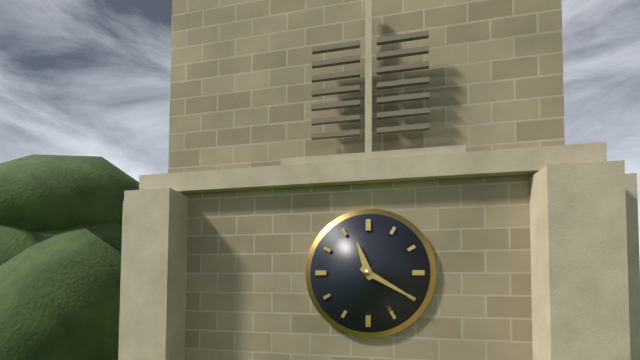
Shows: 11:20
